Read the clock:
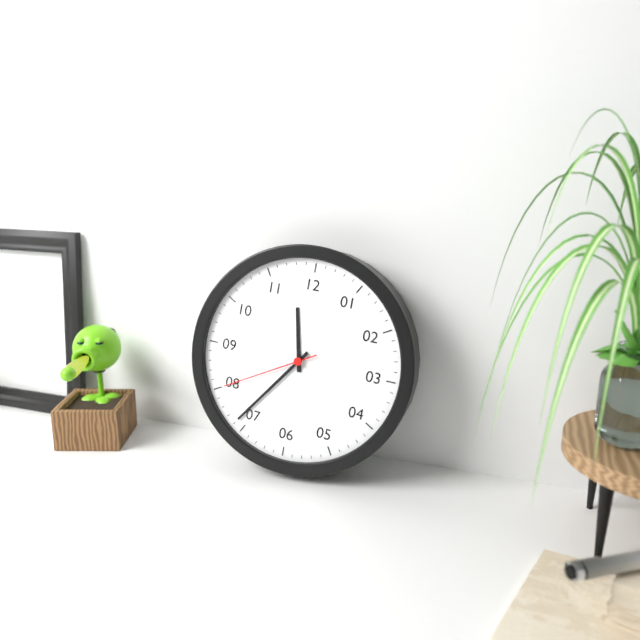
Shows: 11:36:40
